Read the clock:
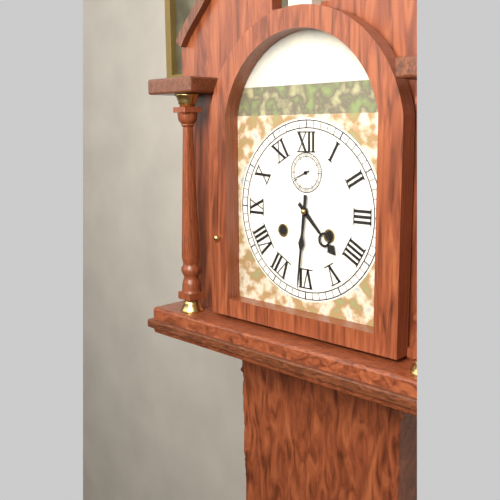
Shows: 4:31
